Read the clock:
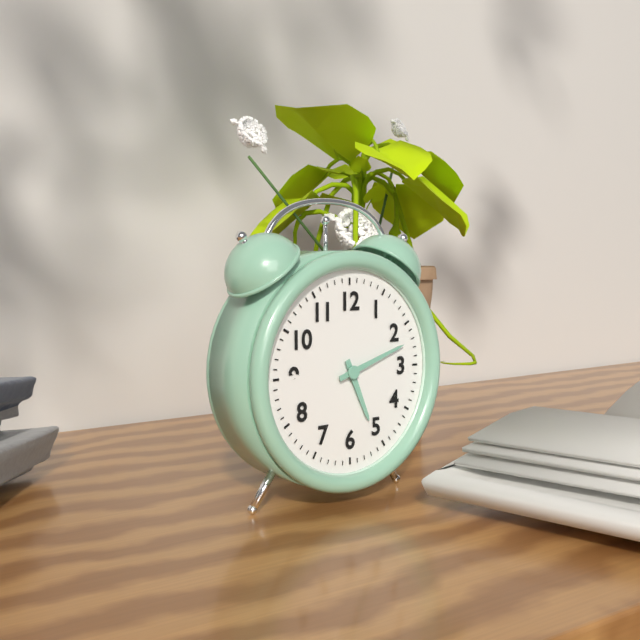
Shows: 5:12
